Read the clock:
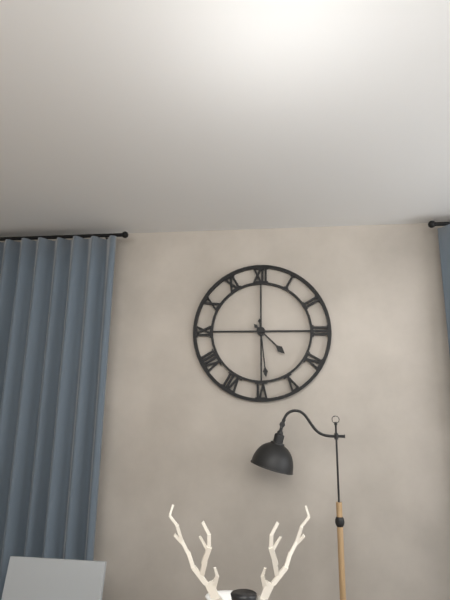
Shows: 4:29
